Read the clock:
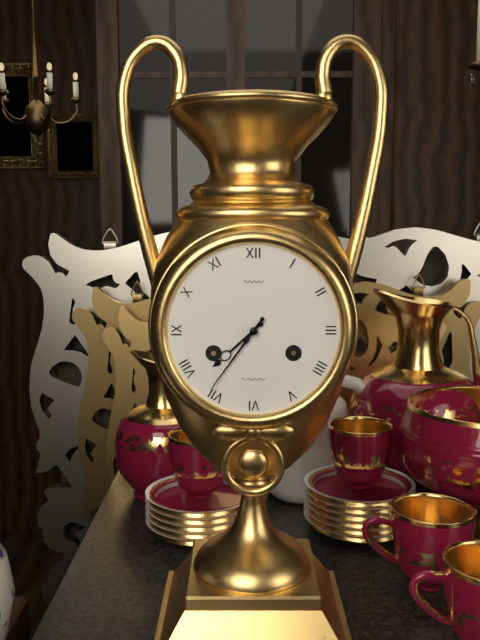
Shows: 7:36
